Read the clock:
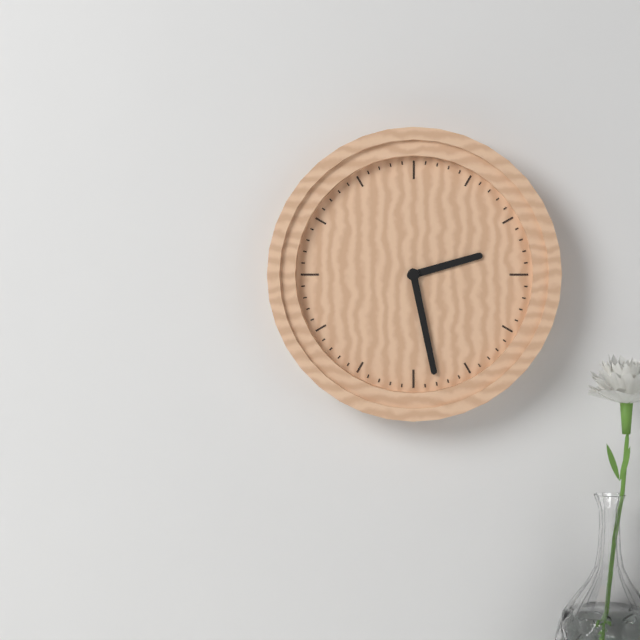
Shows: 2:28
